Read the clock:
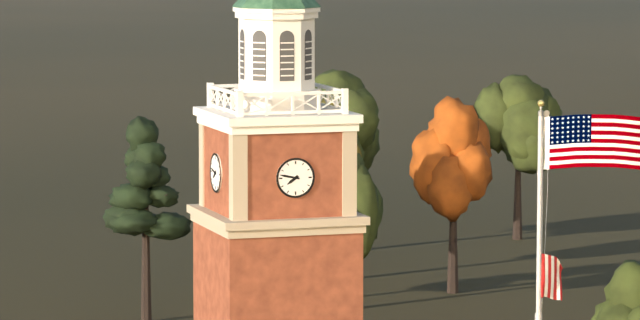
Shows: 7:47
